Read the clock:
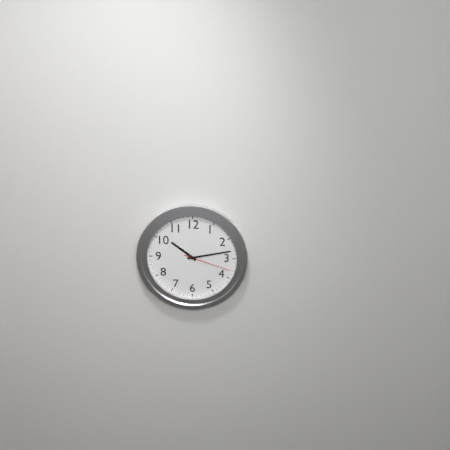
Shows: 10:13:18
